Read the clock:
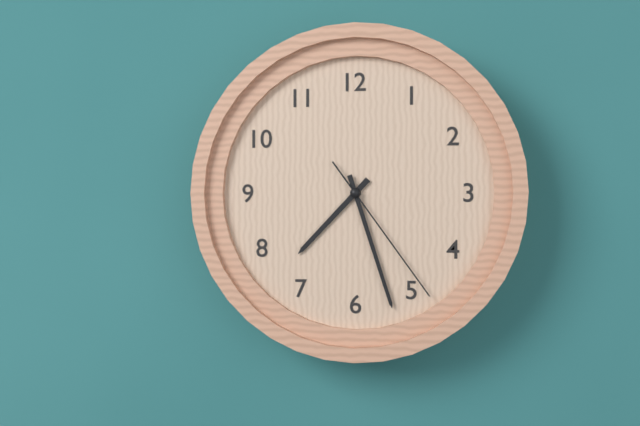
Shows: 7:27:24
